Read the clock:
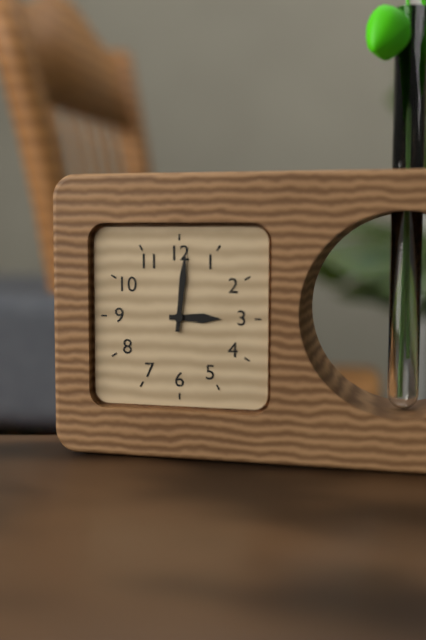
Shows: 3:01
